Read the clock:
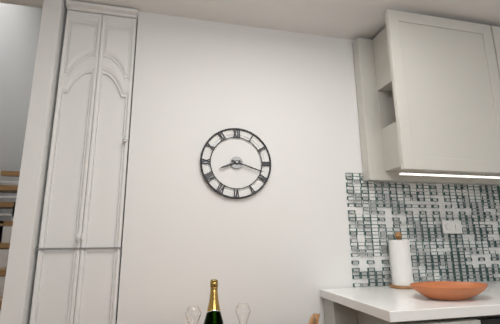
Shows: 8:18
